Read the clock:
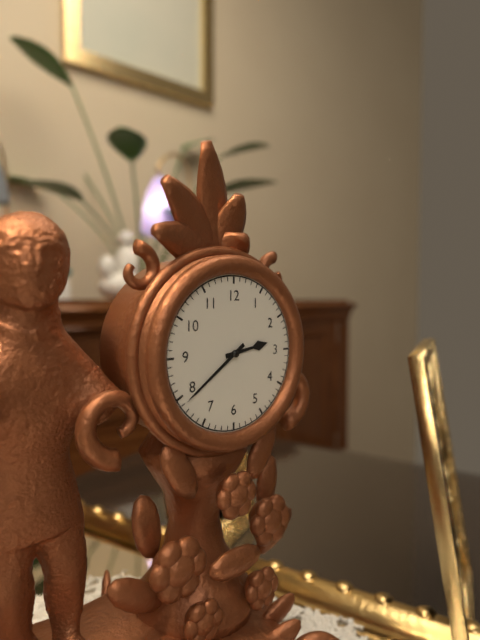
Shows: 2:39
